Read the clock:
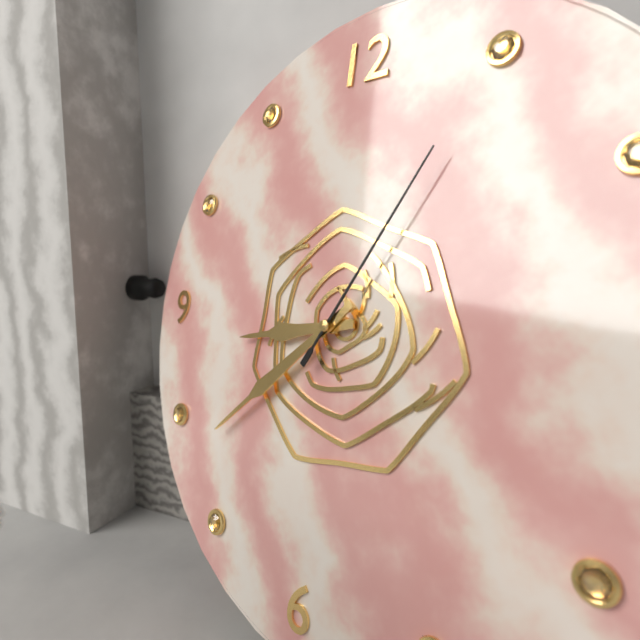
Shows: 8:38:05
